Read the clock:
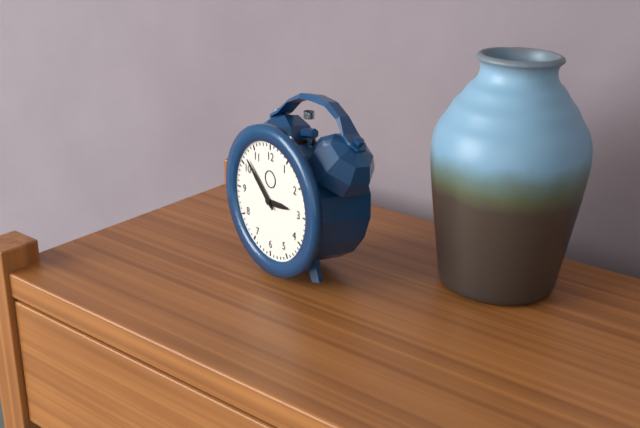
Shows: 2:52
